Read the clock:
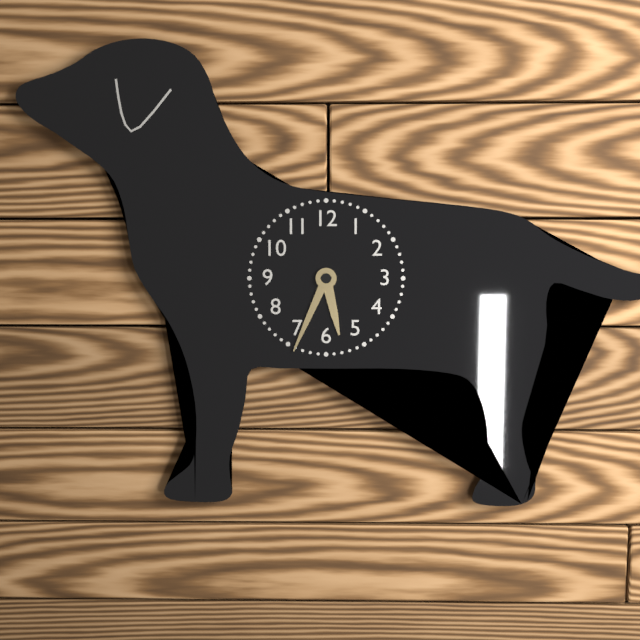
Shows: 5:34
